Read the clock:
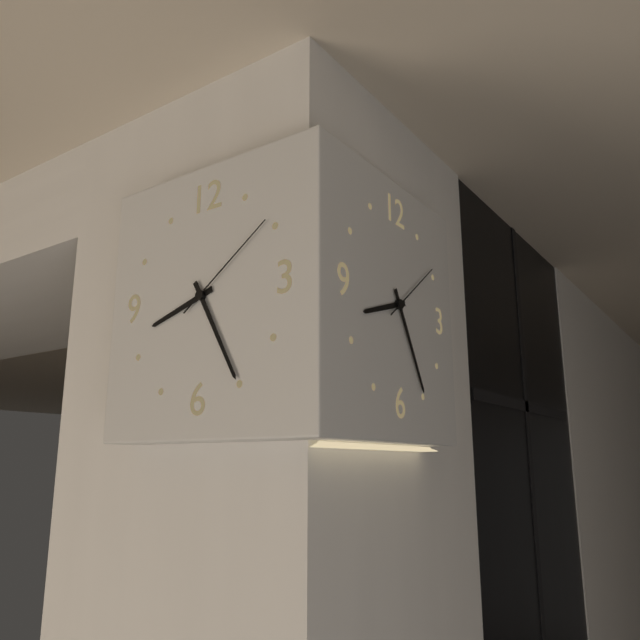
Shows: 8:25:09
